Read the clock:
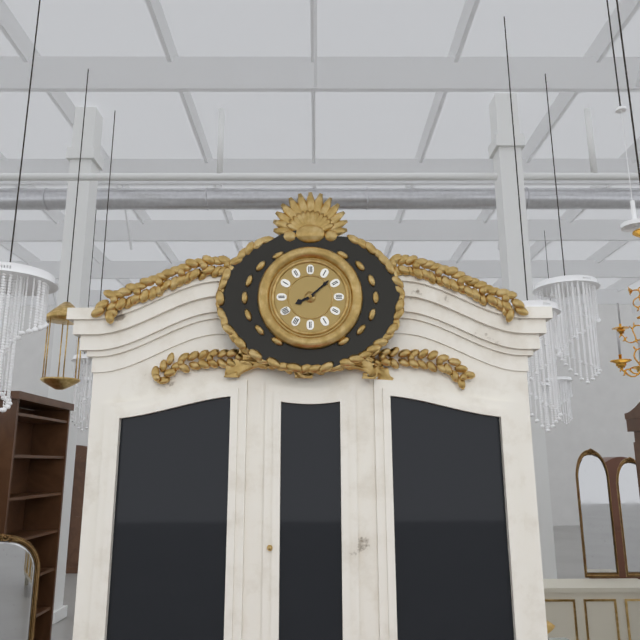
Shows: 8:08
